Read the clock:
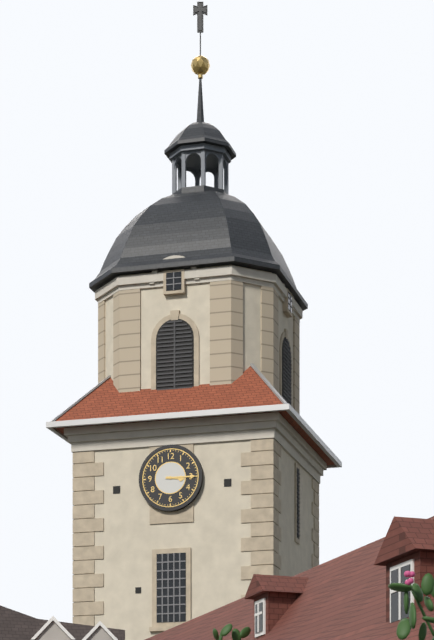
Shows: 3:15
